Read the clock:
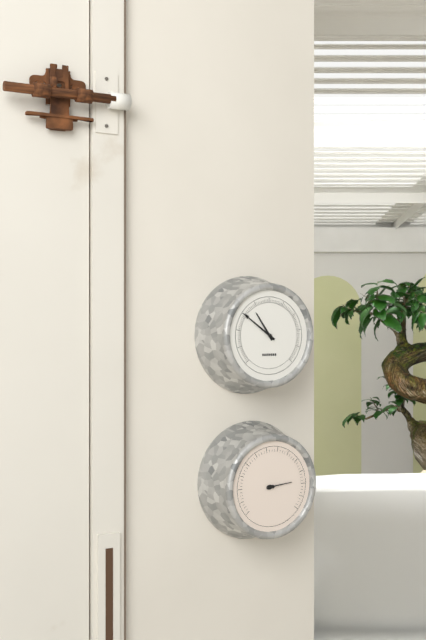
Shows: 10:51
